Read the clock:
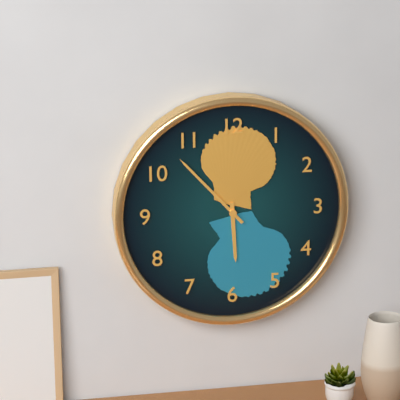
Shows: 5:53
